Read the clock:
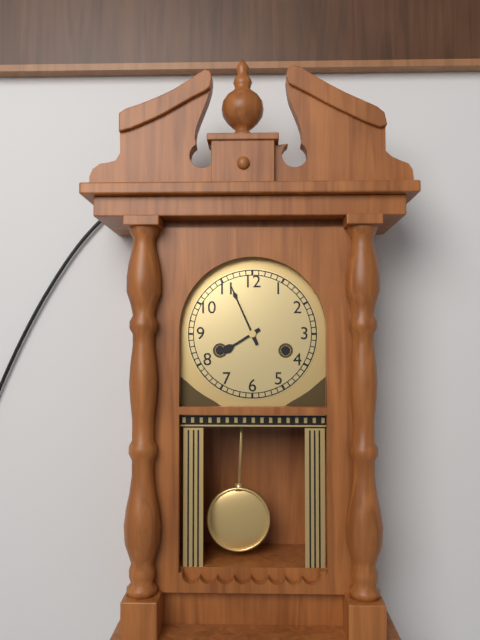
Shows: 7:56
